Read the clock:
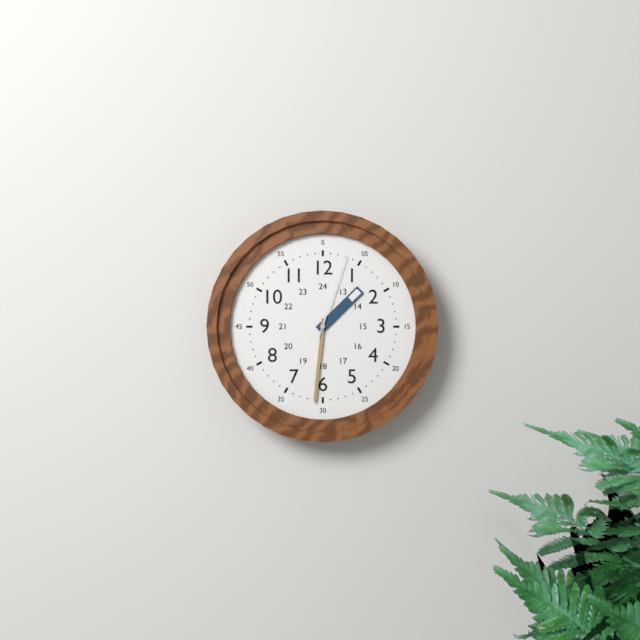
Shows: 1:31:03
